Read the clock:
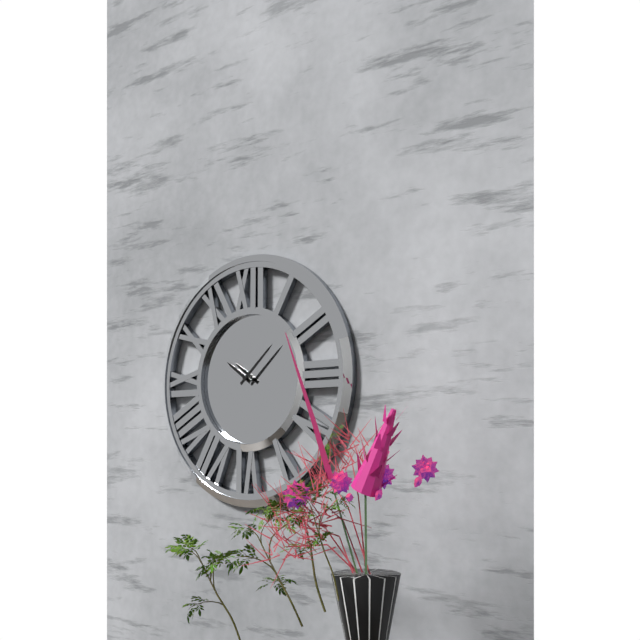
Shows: 10:08
